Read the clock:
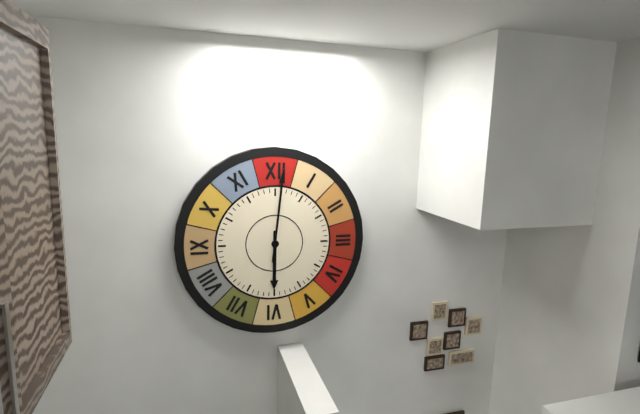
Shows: 6:01
